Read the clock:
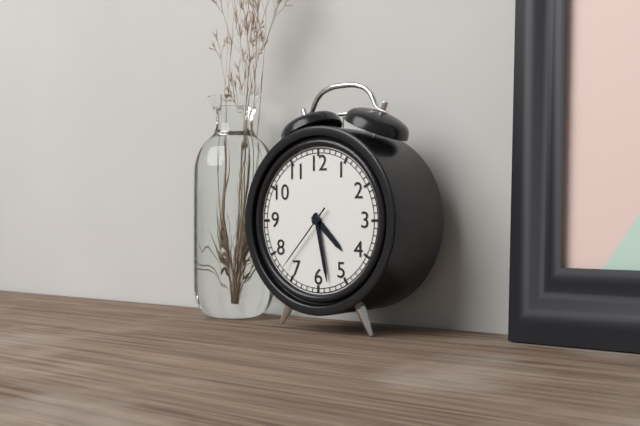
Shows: 4:28:37
